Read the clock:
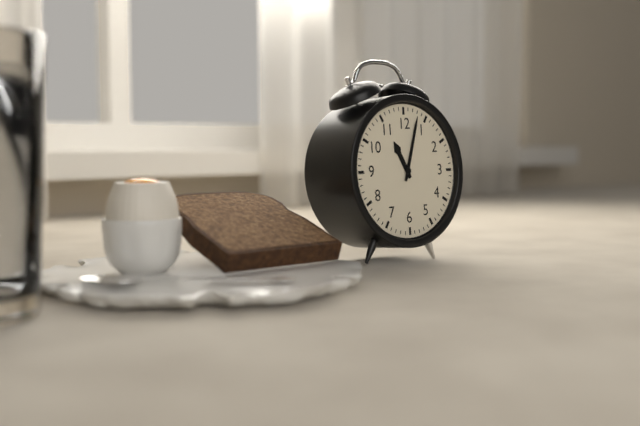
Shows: 11:03
